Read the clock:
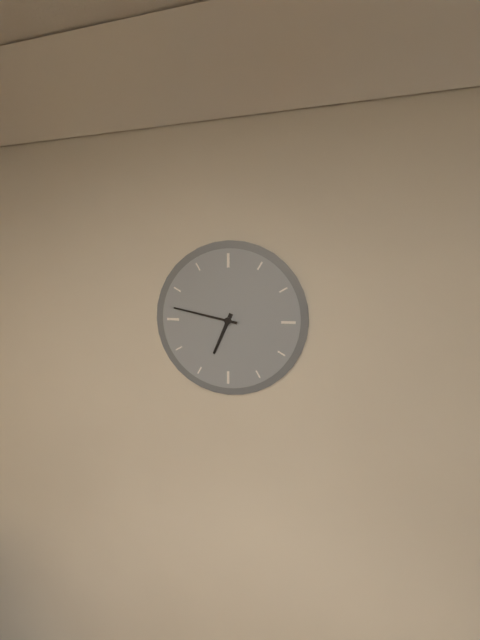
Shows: 6:47
